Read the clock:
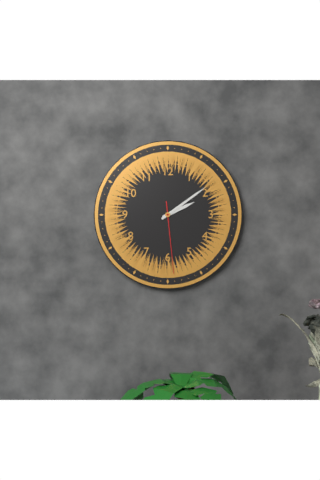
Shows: 2:09:29
